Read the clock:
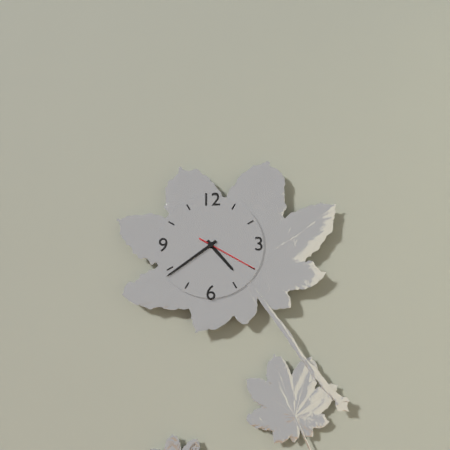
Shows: 4:39:20
